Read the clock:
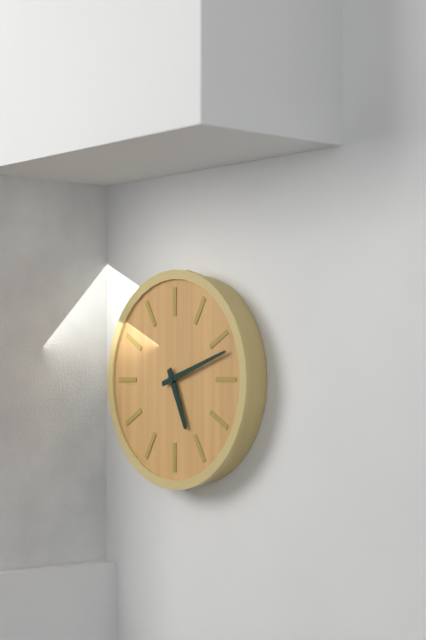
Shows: 5:12
